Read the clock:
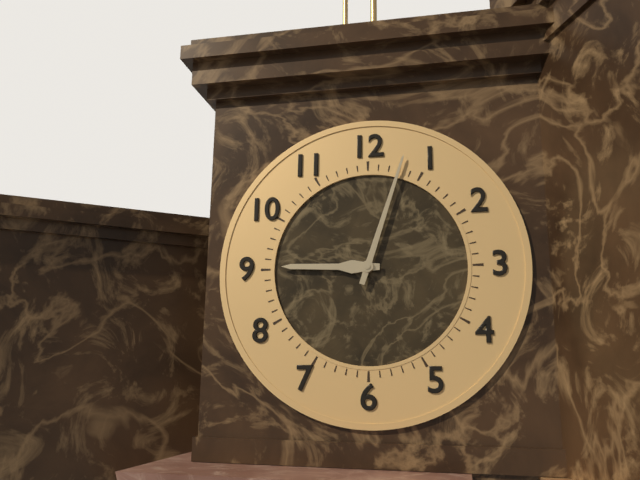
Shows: 9:03
